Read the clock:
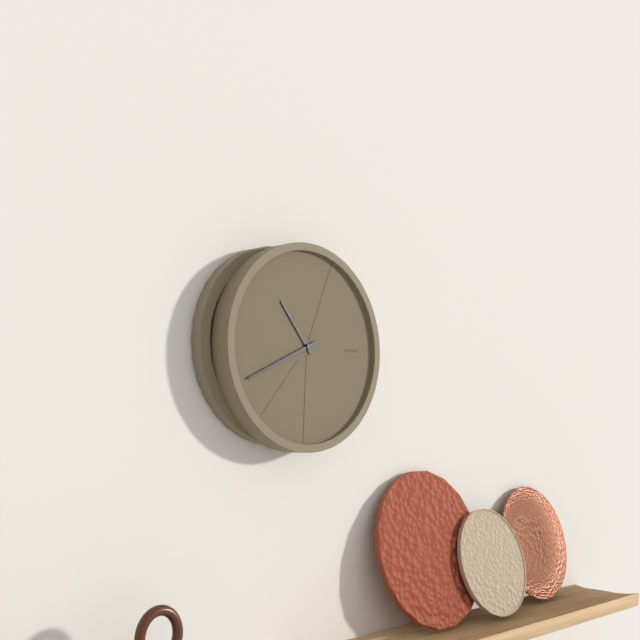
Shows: 10:41
